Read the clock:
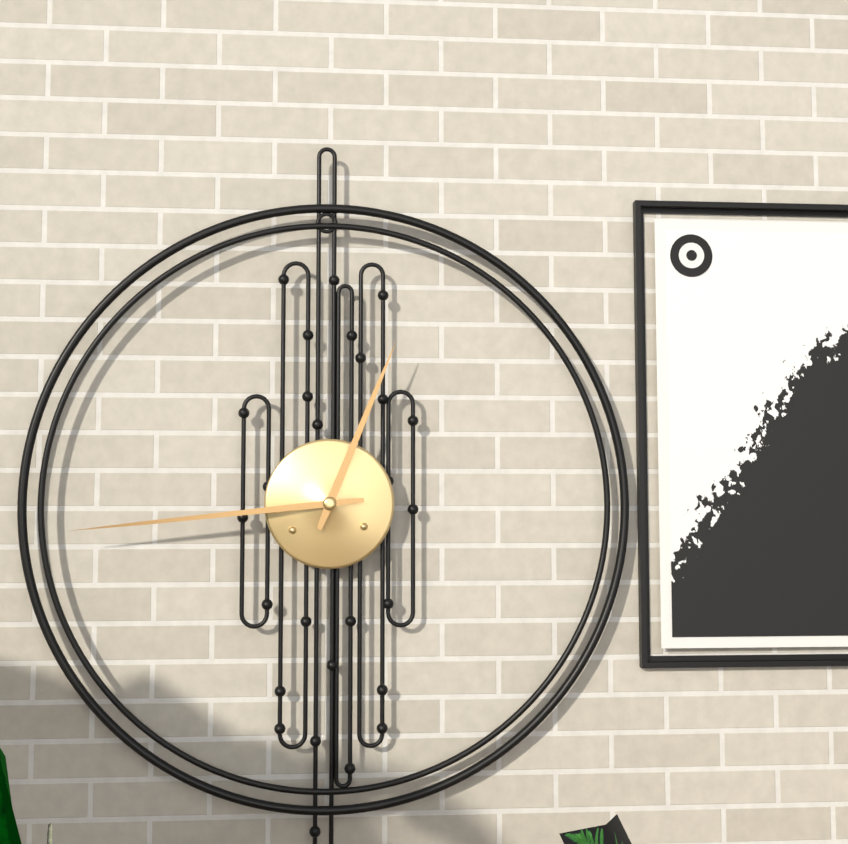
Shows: 12:44
